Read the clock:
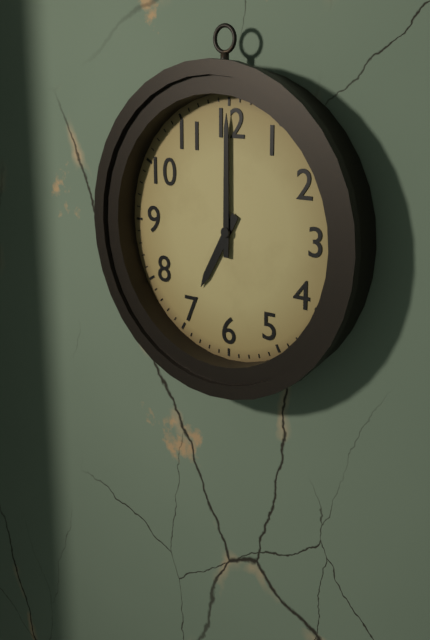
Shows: 7:00
